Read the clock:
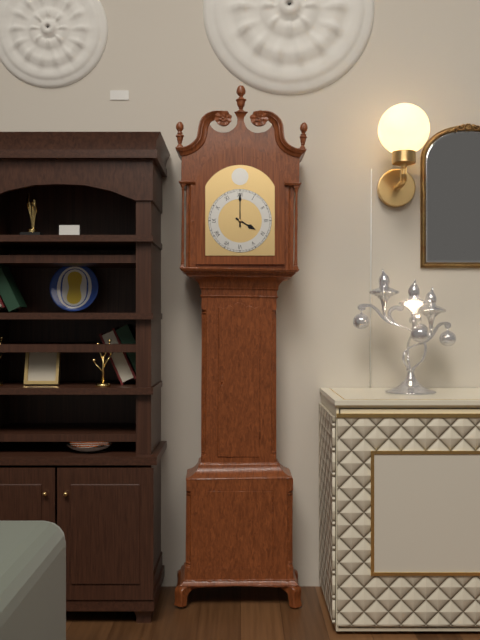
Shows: 4:00
